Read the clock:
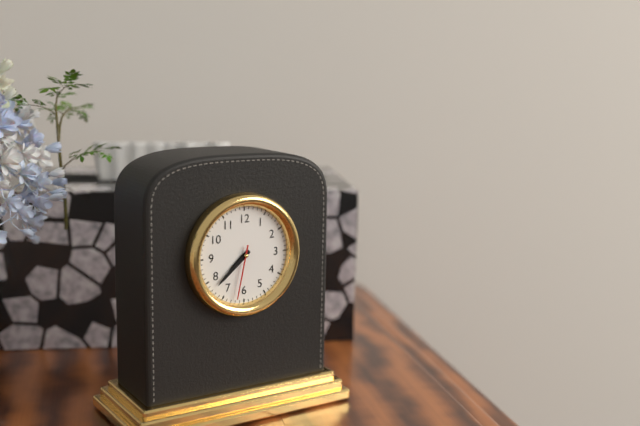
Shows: 7:38:32
